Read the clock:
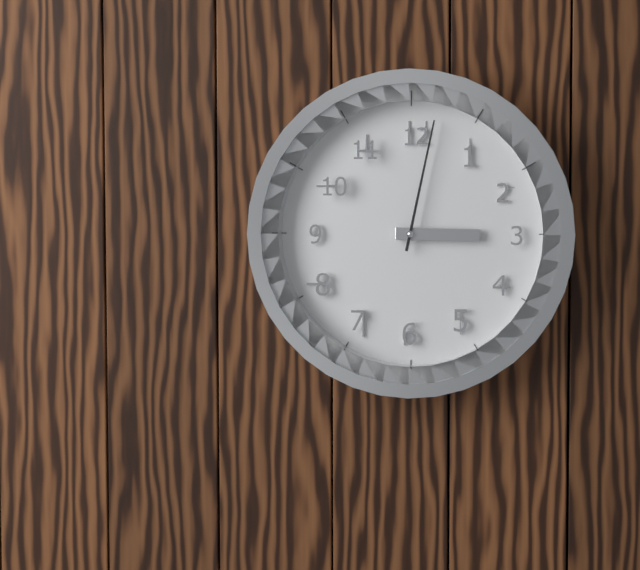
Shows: 3:02
